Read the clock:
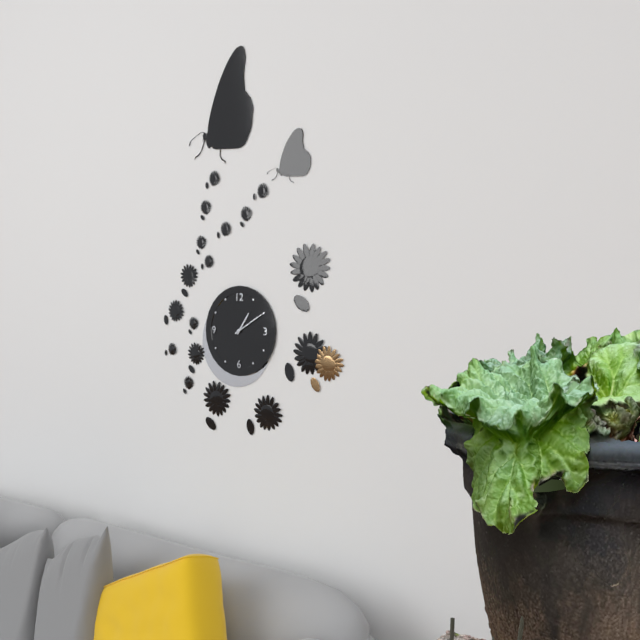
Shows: 1:10
